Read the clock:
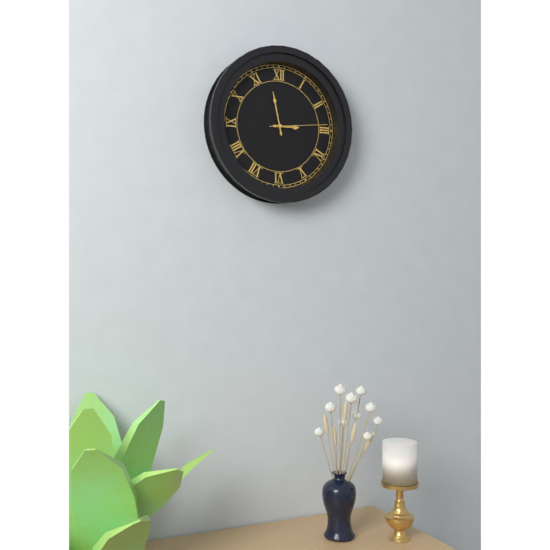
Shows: 2:58:14
